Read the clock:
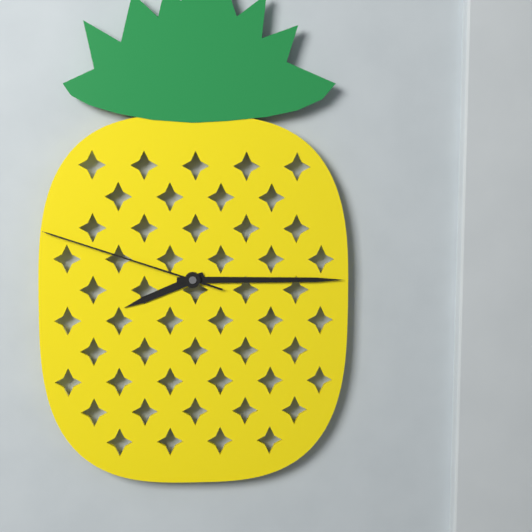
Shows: 8:15:48
